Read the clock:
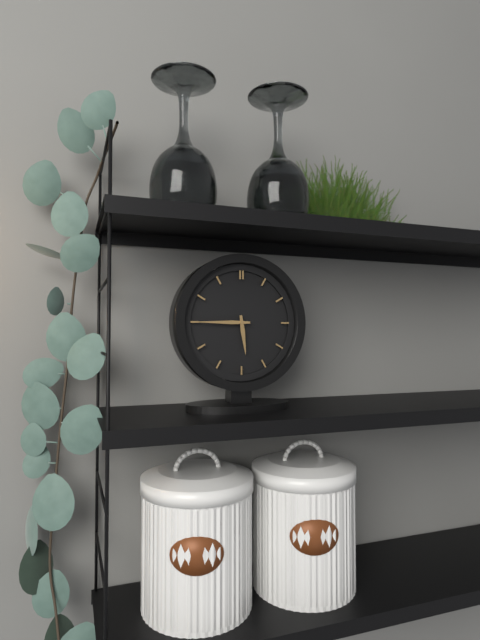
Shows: 5:45
